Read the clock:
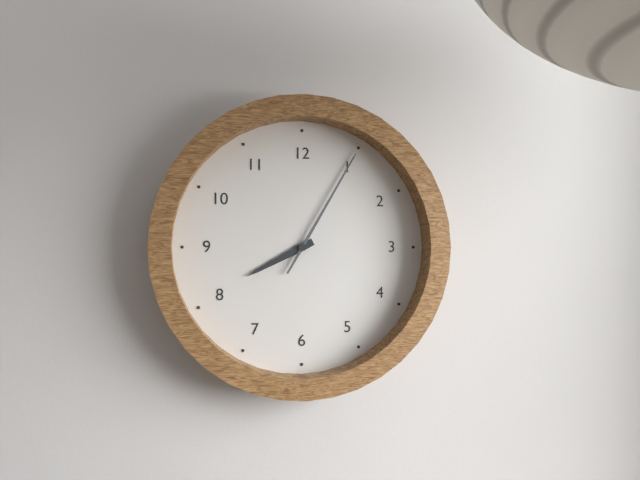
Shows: 8:05
